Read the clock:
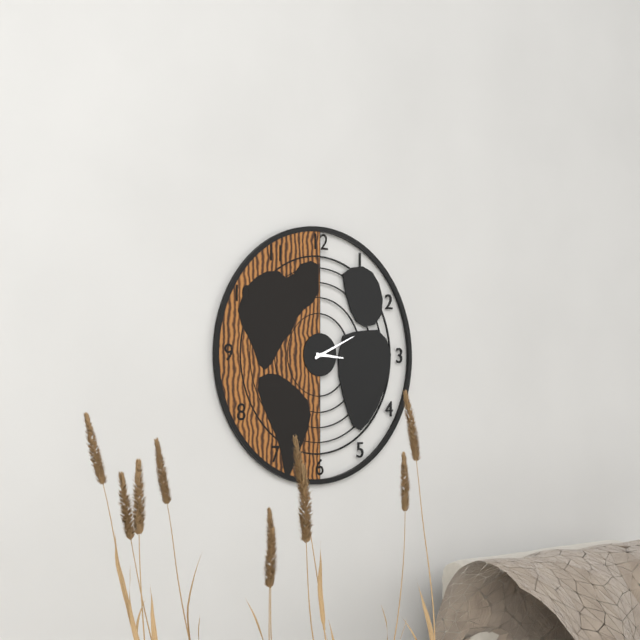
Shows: 3:11
